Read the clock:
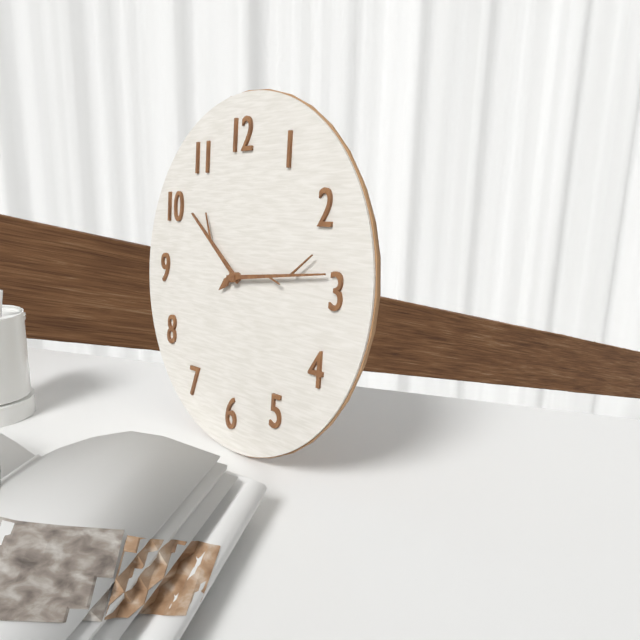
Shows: 10:14
